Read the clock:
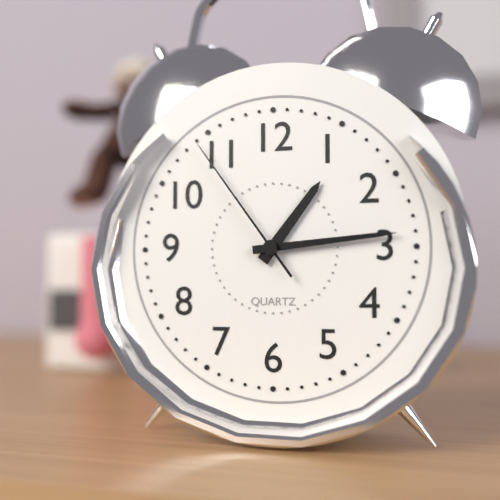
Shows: 1:14:54
